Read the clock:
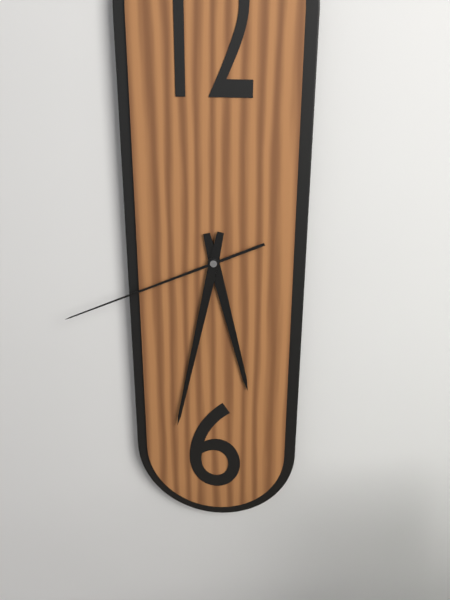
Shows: 5:32:41
